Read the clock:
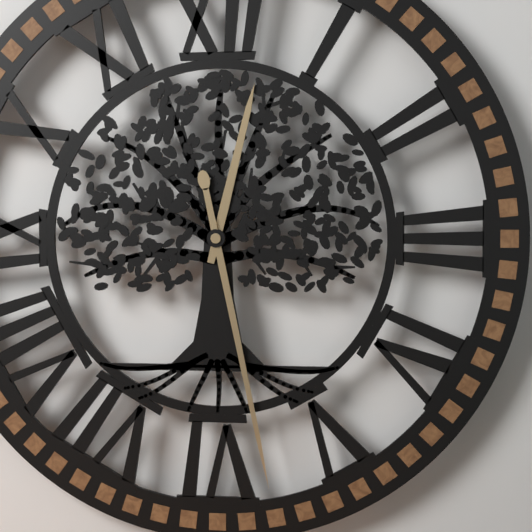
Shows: 12:28
